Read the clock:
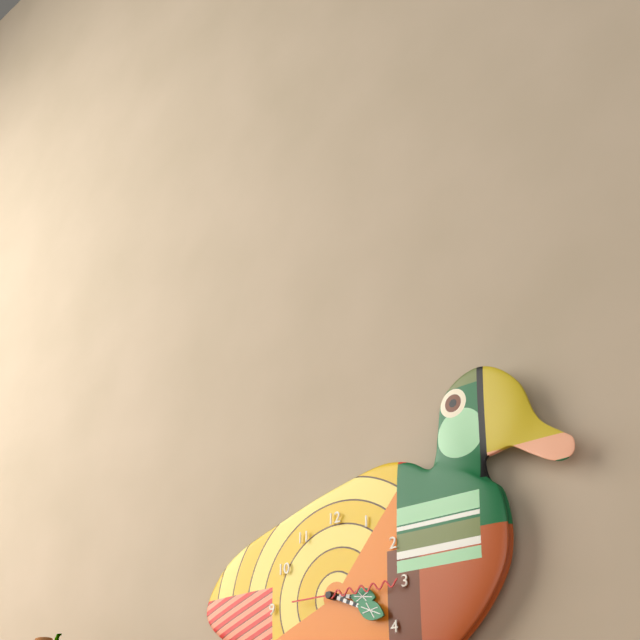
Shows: 3:19:15
